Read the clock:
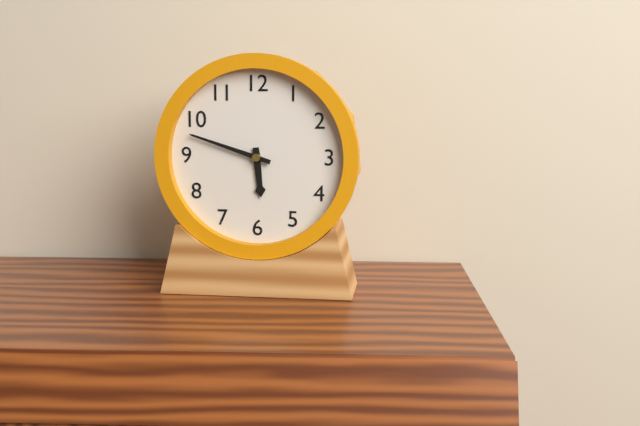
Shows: 5:48
